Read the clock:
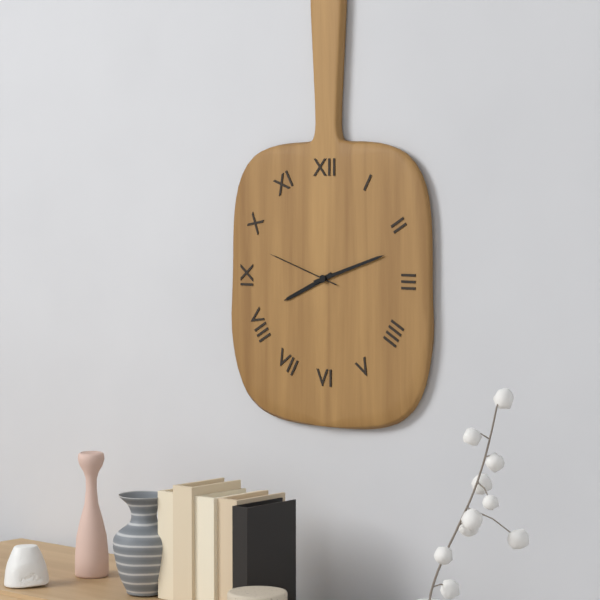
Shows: 8:12:48
